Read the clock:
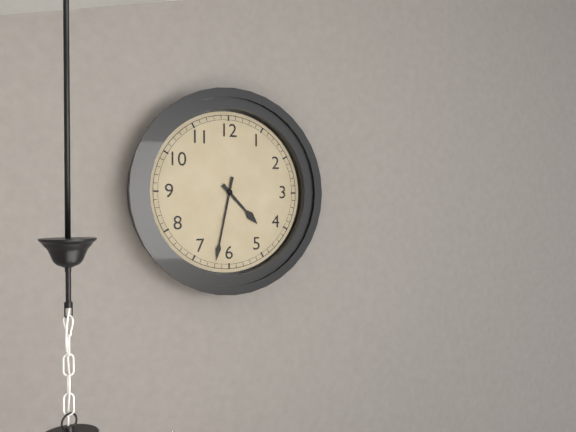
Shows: 4:32
